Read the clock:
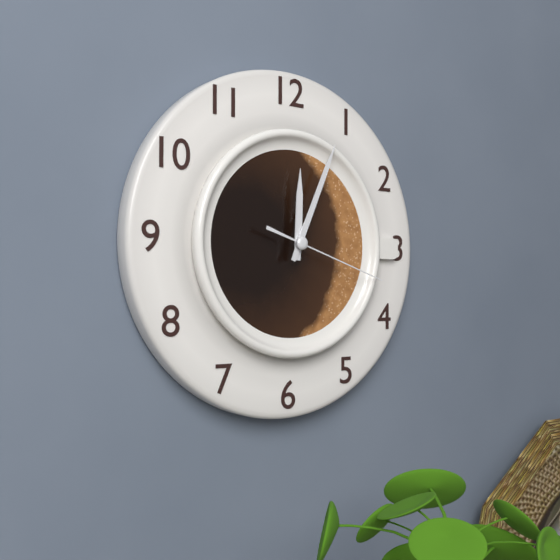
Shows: 12:04:18
